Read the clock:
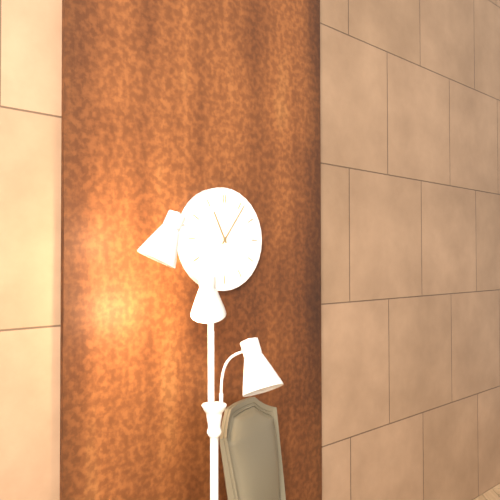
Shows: 11:06
